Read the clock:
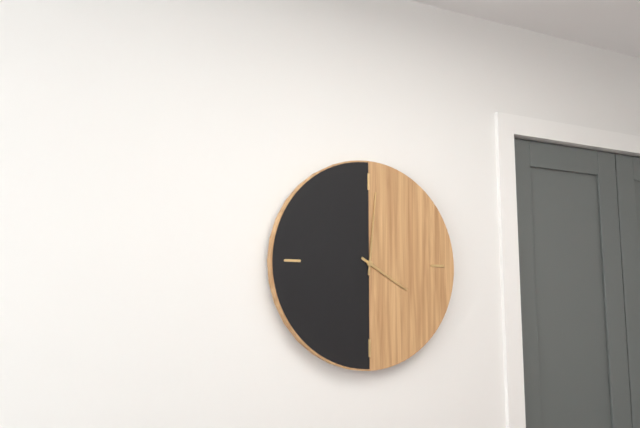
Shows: 4:01
